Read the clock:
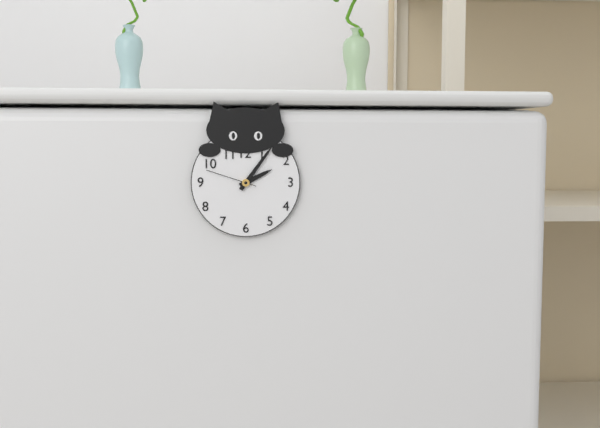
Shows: 2:06:48
